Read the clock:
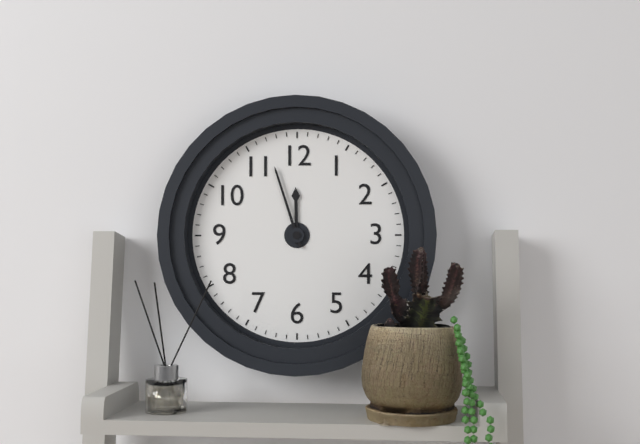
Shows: 11:57
